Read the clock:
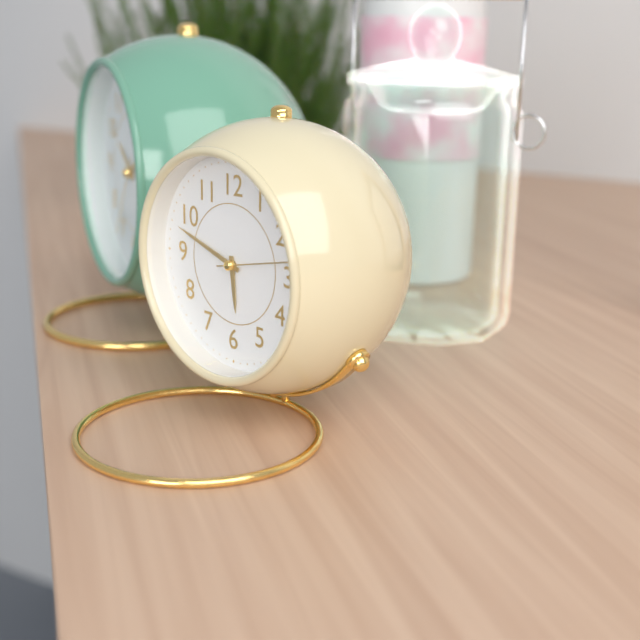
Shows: 5:48:13
